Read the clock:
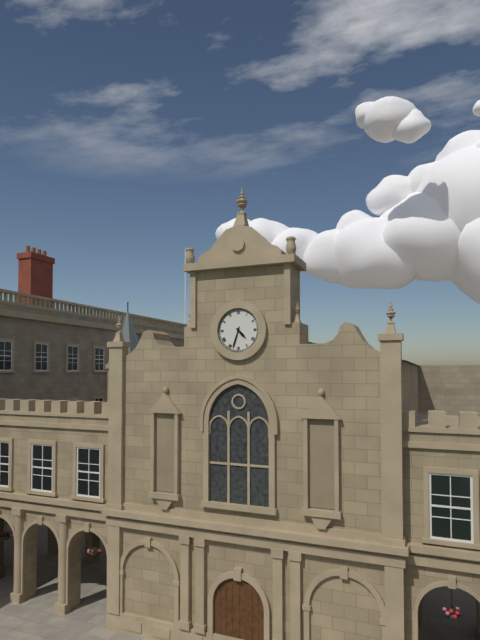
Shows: 4:33
